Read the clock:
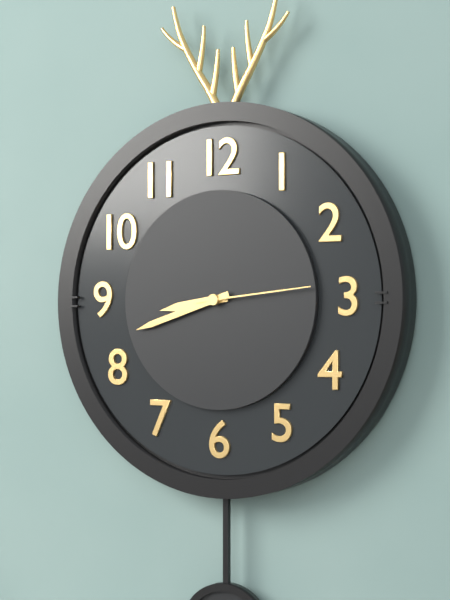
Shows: 8:42:14
